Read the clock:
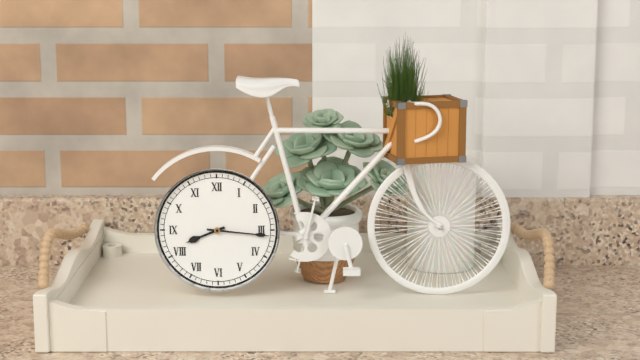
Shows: 8:16
